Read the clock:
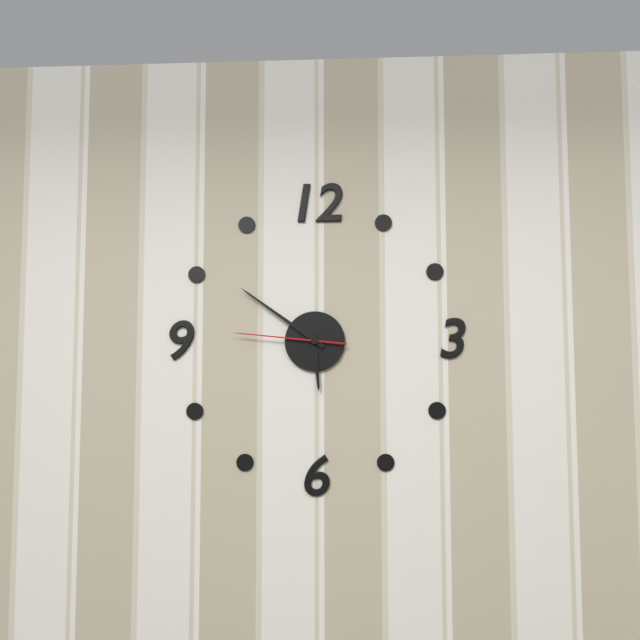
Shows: 5:51:46
